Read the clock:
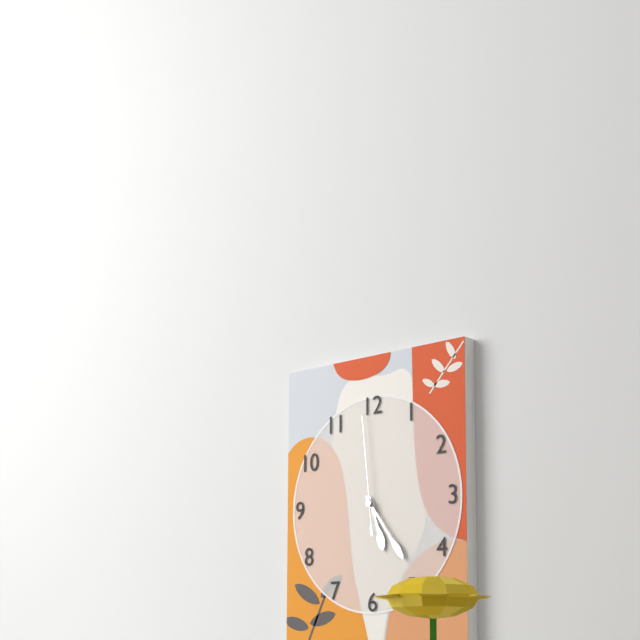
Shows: 5:24:59
